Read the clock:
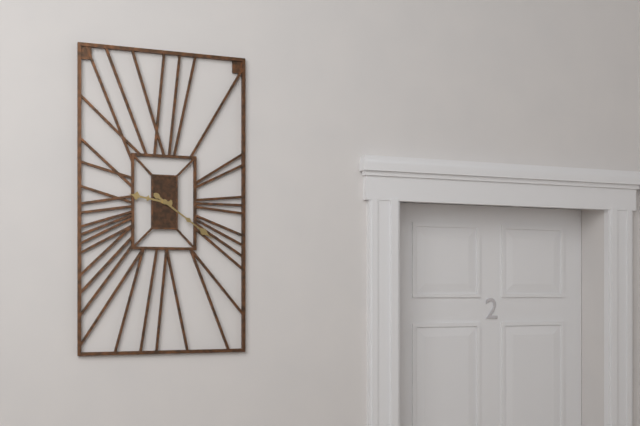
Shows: 9:21
